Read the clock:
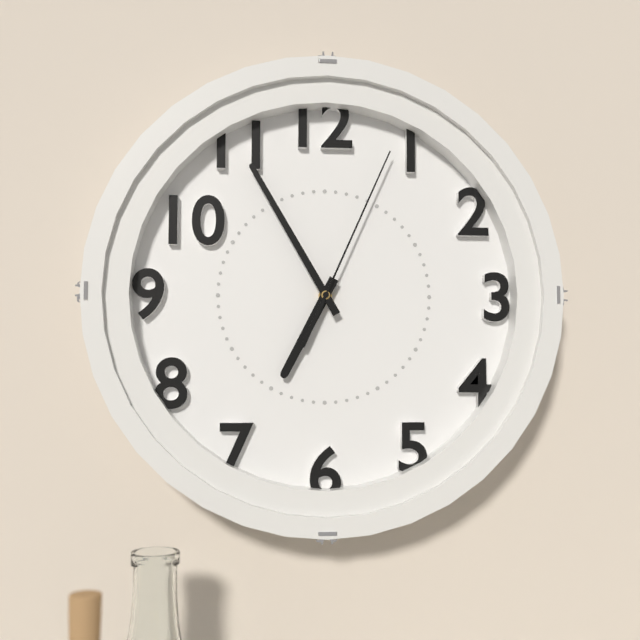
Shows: 6:55:04
